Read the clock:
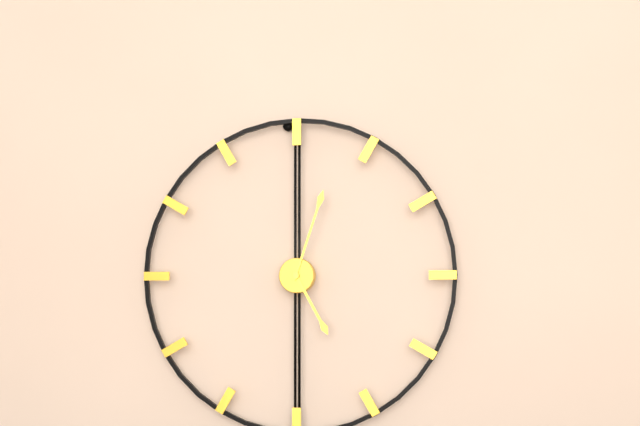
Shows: 5:03
